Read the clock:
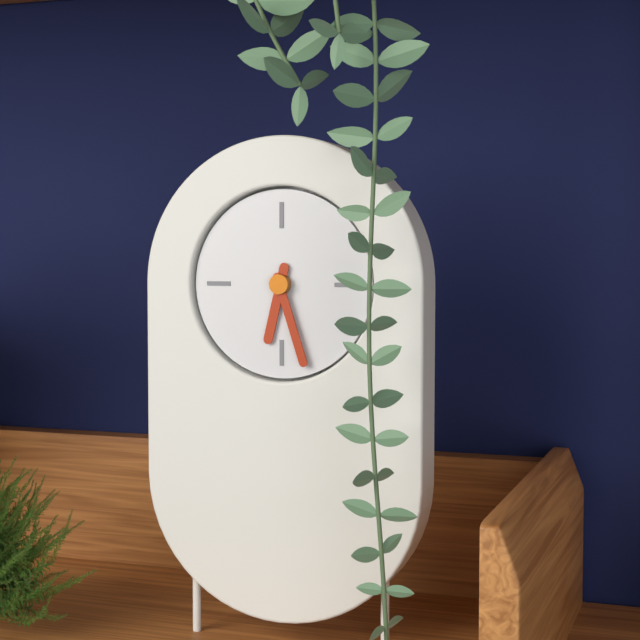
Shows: 6:27
